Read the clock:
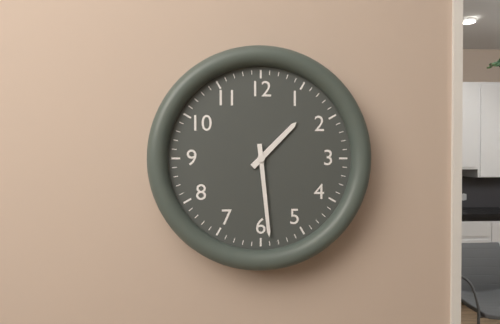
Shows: 1:29
